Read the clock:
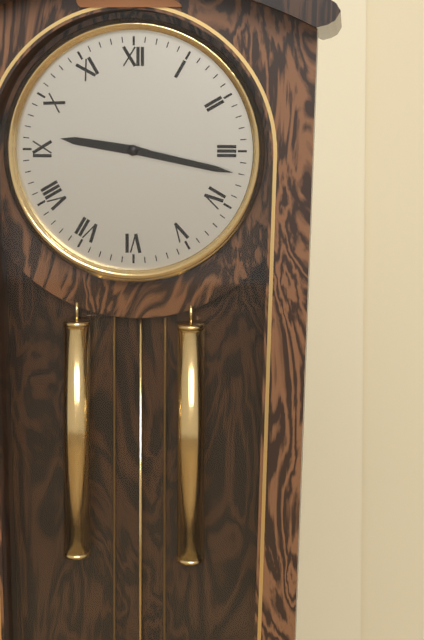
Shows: 9:17
